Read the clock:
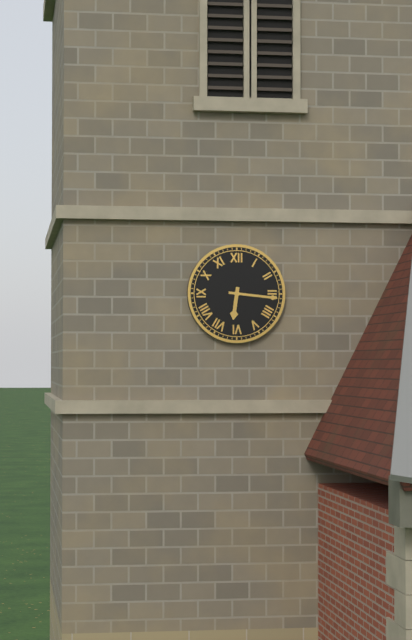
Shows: 6:16
